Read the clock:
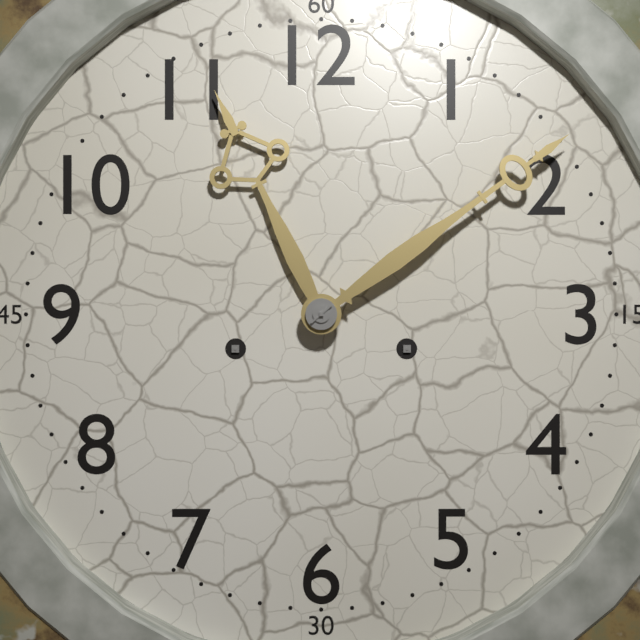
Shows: 11:09
